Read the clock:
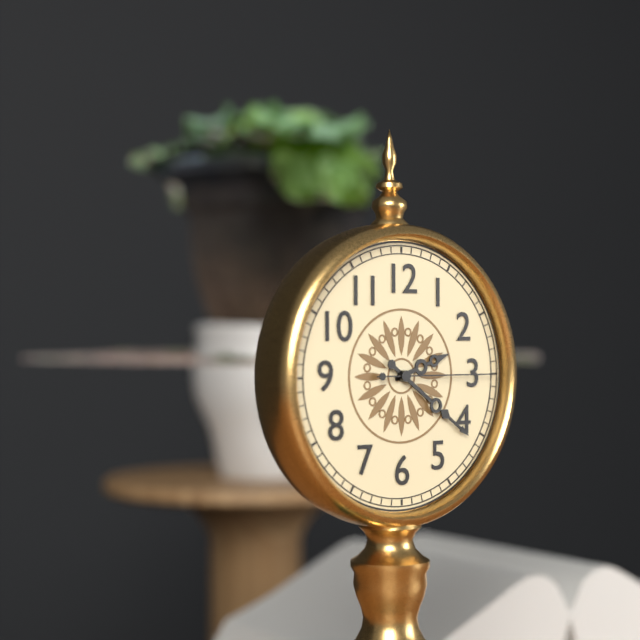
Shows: 2:21:15
